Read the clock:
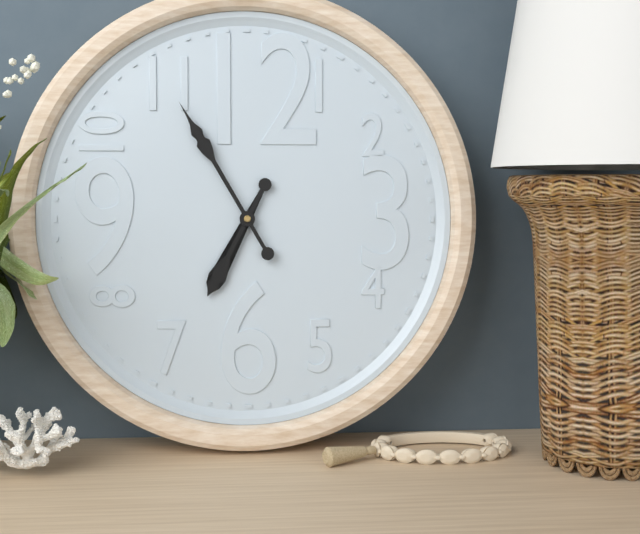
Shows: 6:55
